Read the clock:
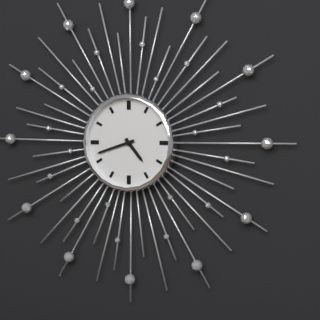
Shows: 4:42
